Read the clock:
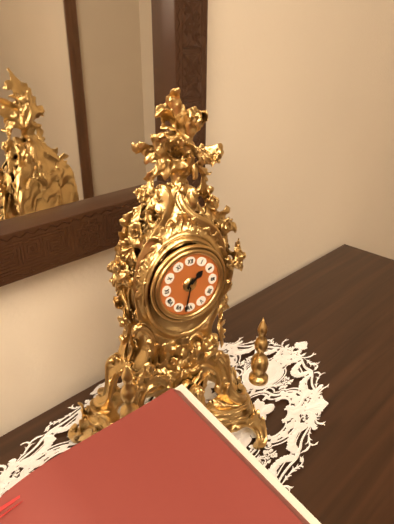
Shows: 1:32
